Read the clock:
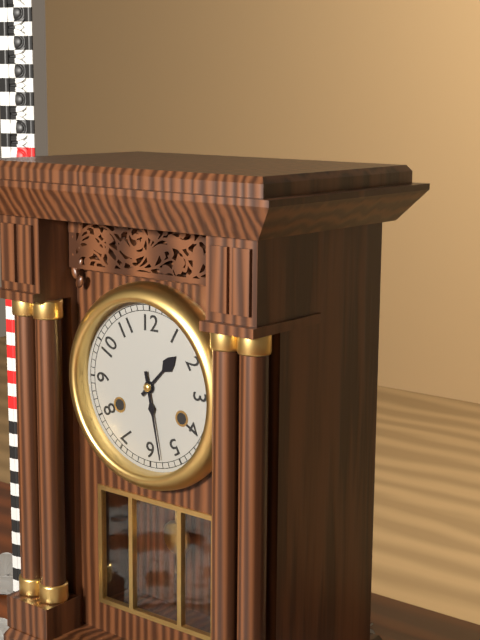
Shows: 1:28
